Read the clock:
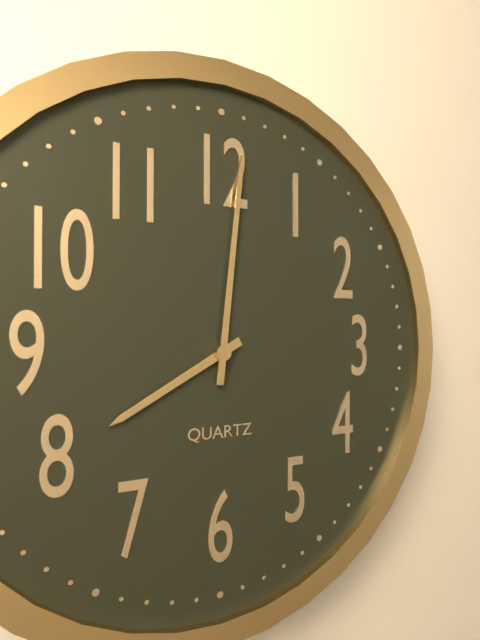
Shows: 8:01
